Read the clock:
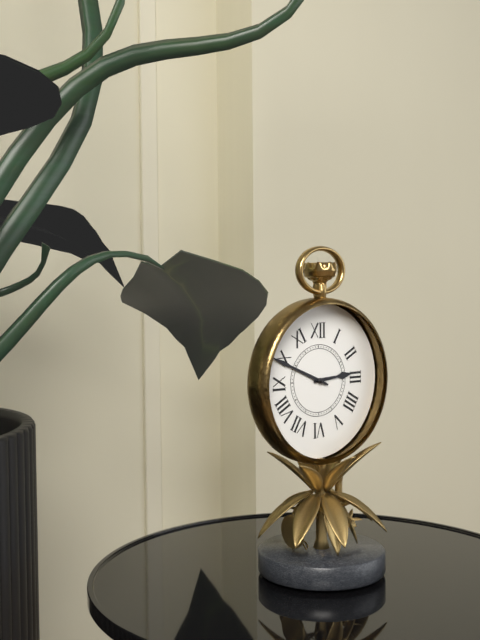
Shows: 2:49
